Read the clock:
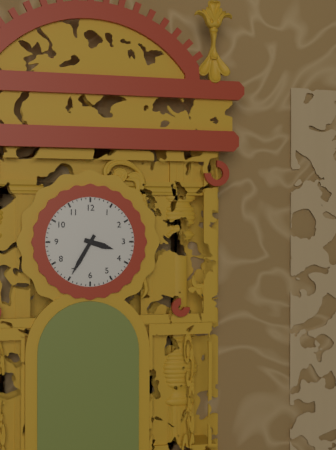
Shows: 3:35
